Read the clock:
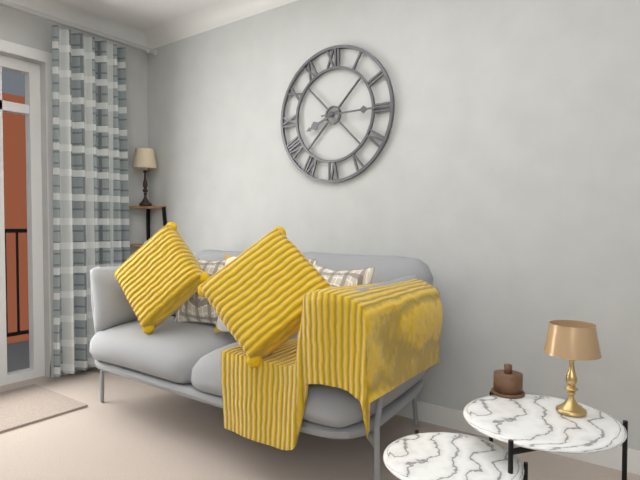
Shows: 8:15
